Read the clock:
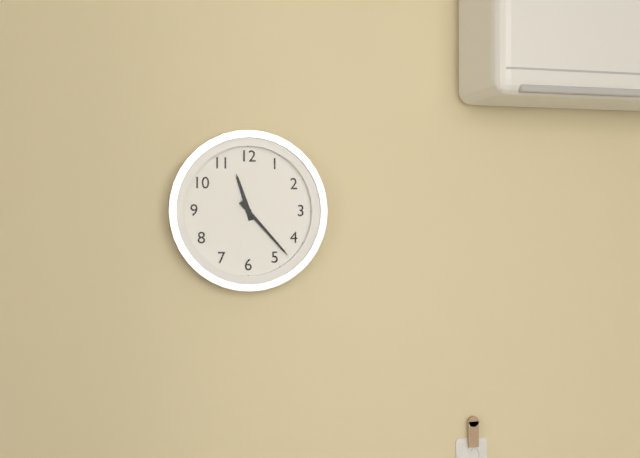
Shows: 11:23
